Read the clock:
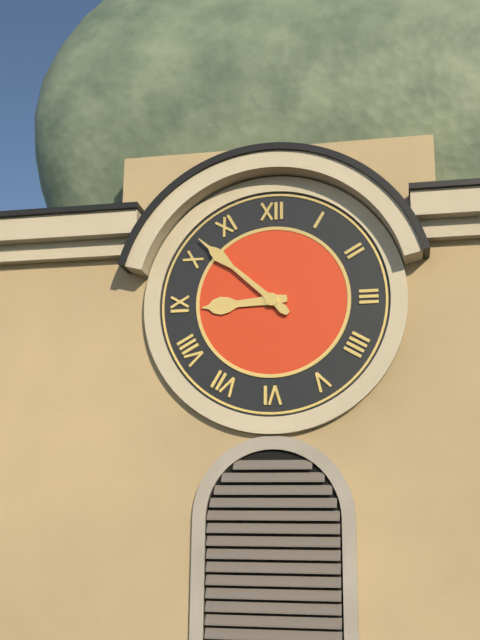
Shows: 8:52
